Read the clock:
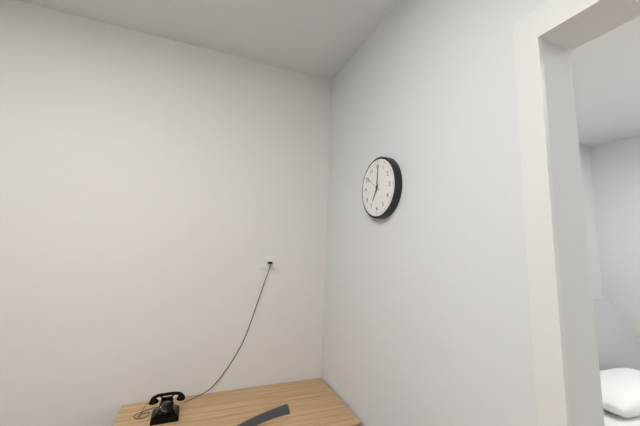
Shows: 7:01
